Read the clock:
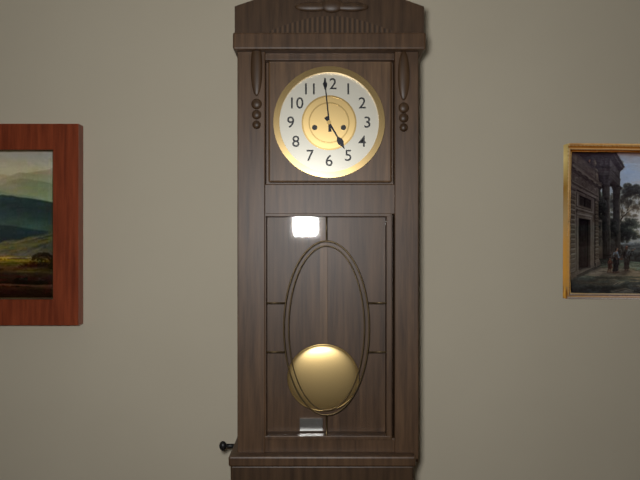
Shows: 4:59
